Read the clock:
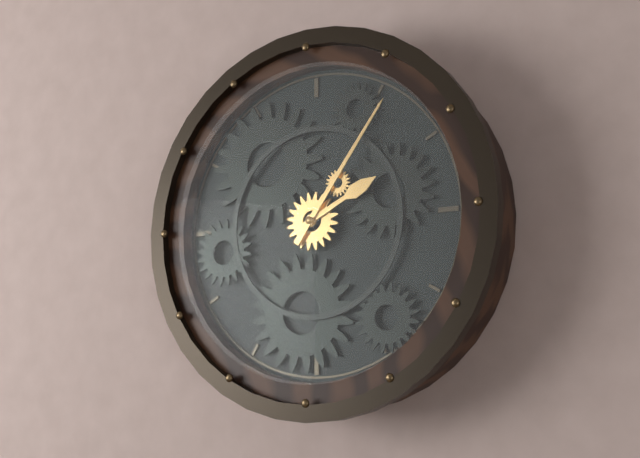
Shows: 2:06
